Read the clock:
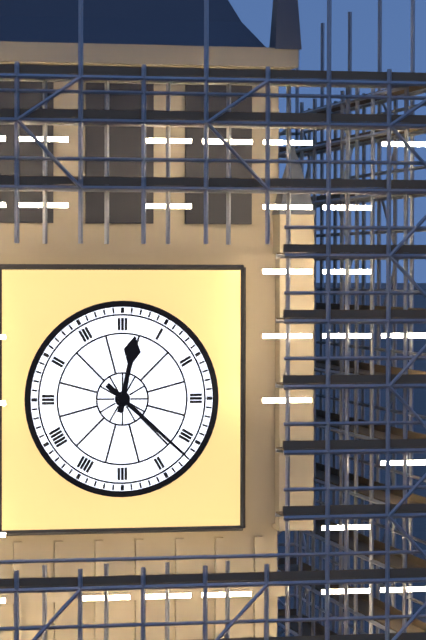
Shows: 12:22
